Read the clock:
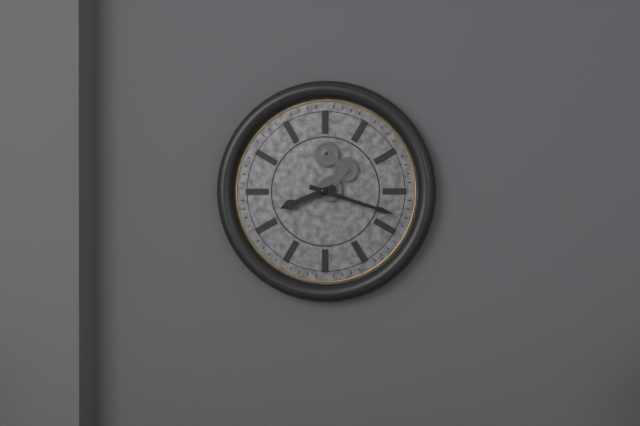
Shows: 8:18
